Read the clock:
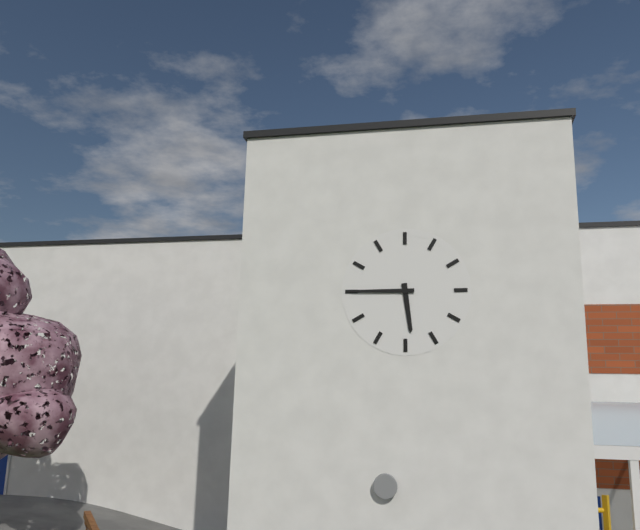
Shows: 5:45
